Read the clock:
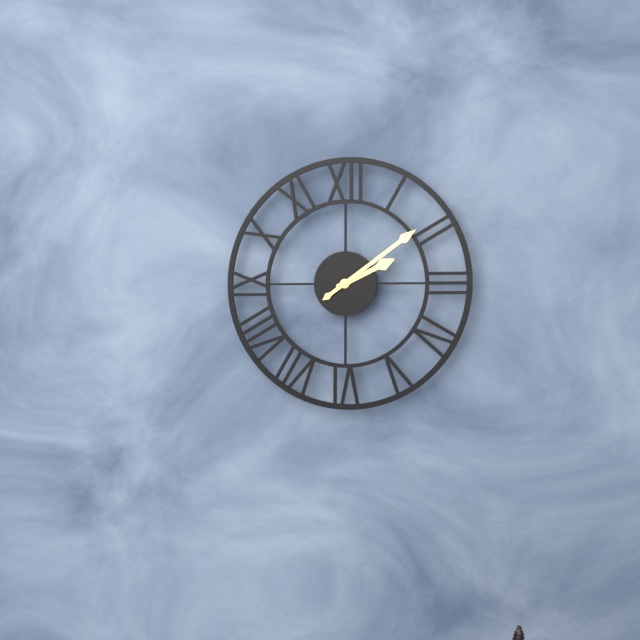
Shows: 2:09
